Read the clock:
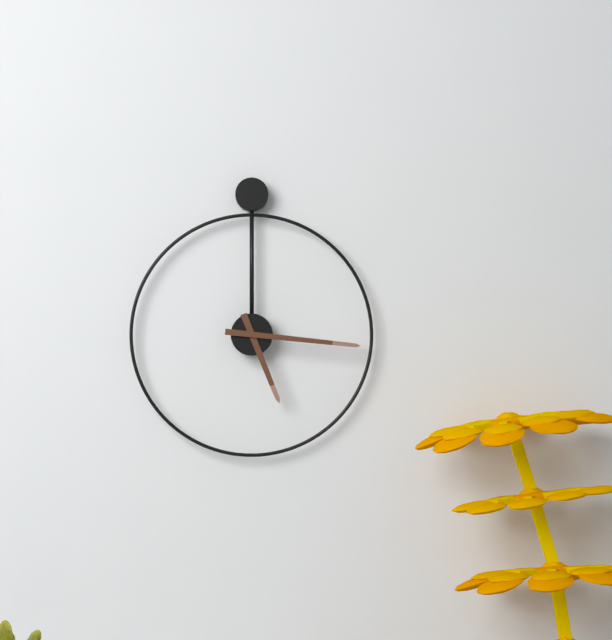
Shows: 5:16
